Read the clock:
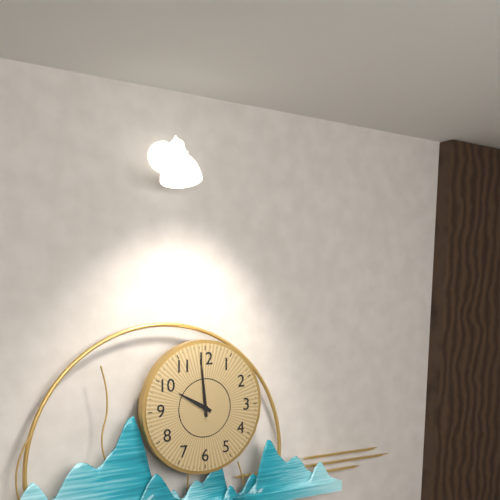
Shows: 9:59
